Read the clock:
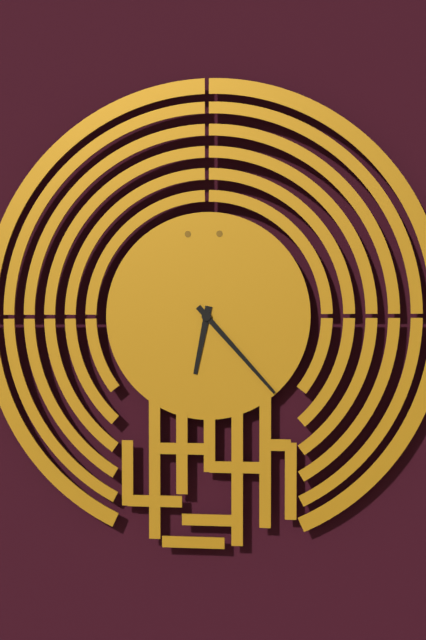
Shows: 6:23
